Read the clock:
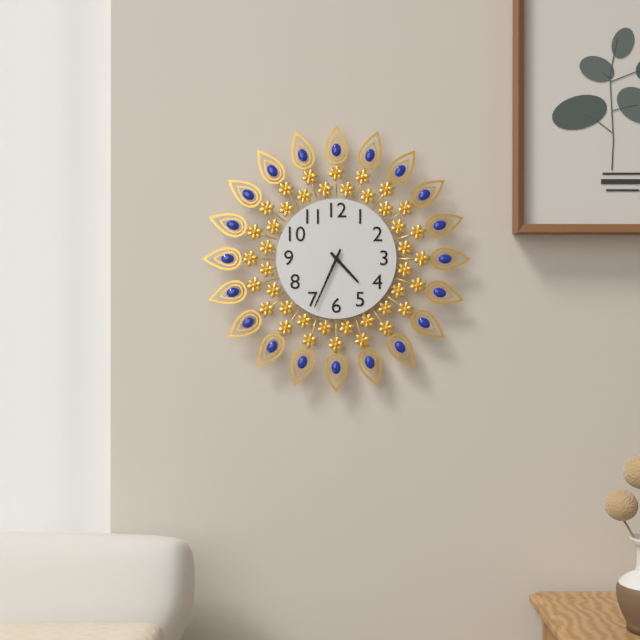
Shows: 4:34
